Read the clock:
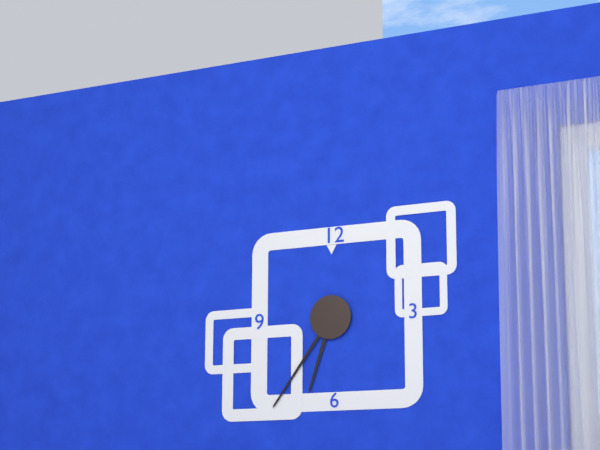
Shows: 6:36
